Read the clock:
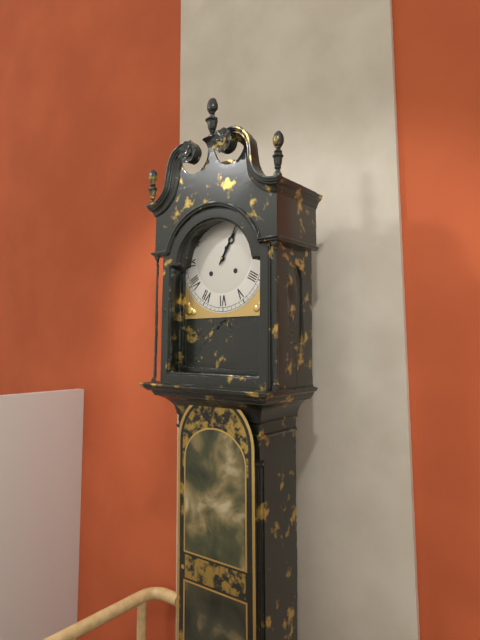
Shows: 1:05
